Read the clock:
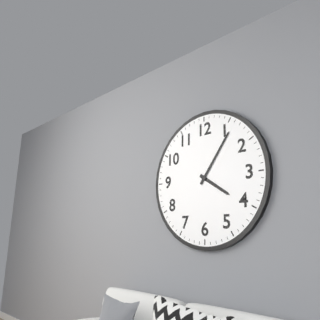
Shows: 4:06
